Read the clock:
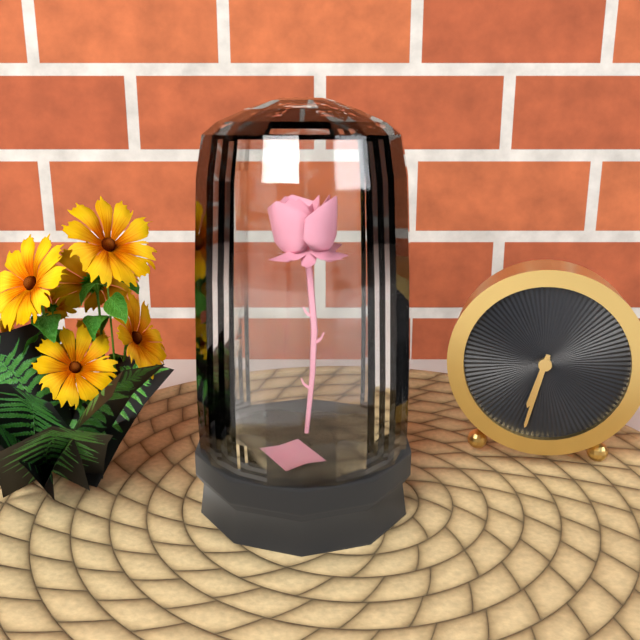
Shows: 6:32
